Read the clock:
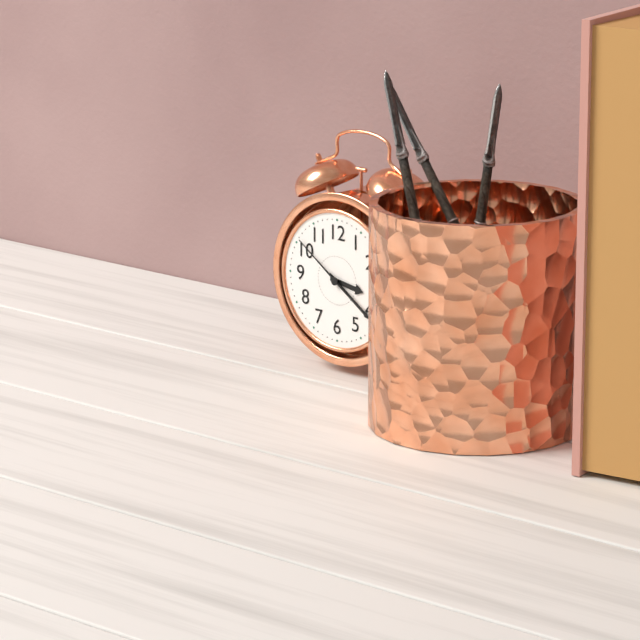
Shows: 3:21:51
